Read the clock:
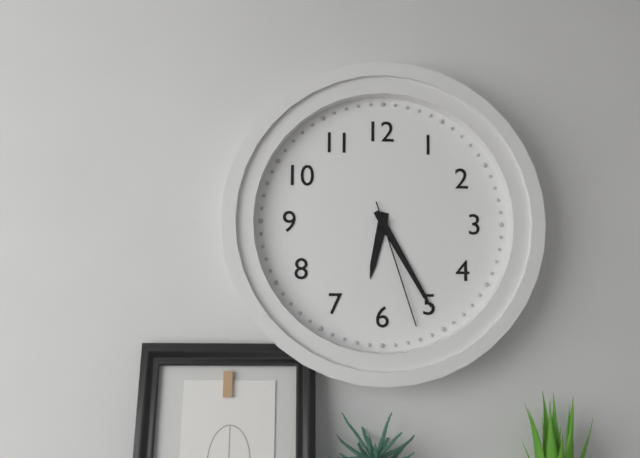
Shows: 6:25:27
